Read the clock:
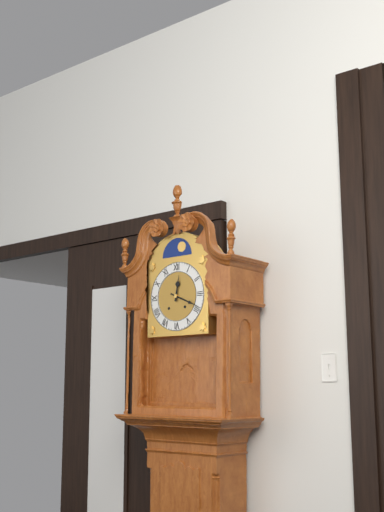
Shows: 12:19
